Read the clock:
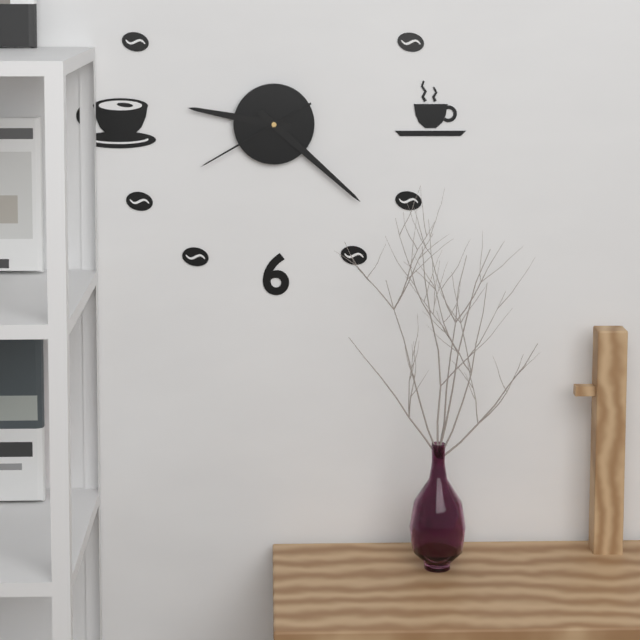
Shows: 9:22:40
